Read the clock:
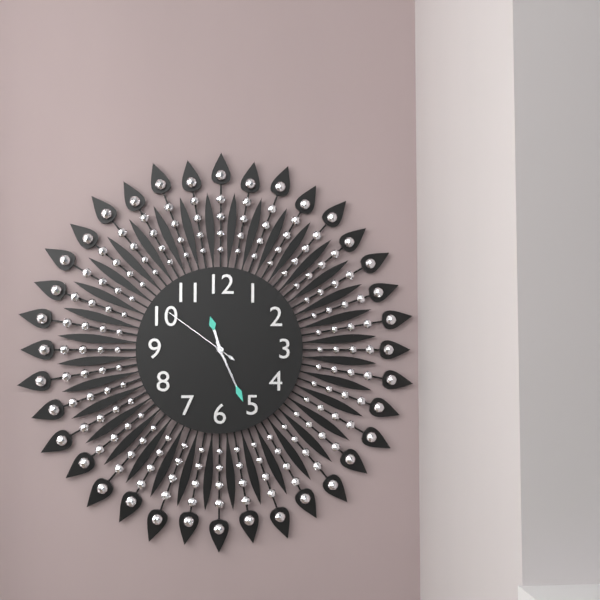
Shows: 11:26:51
